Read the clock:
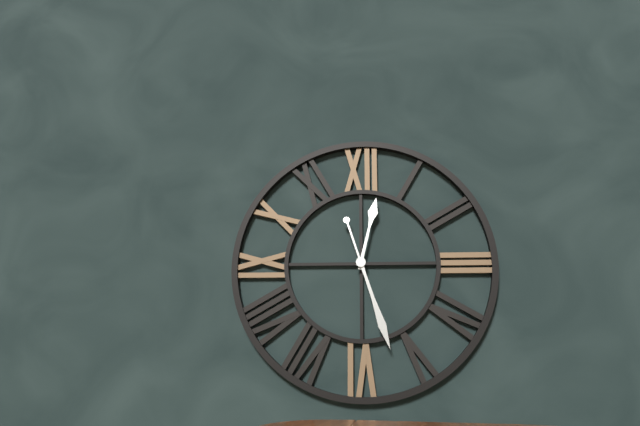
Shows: 12:27
